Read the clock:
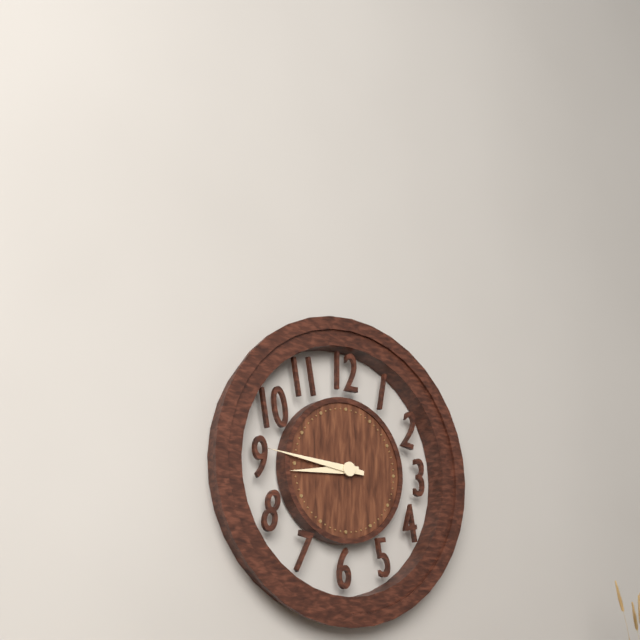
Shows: 8:46
